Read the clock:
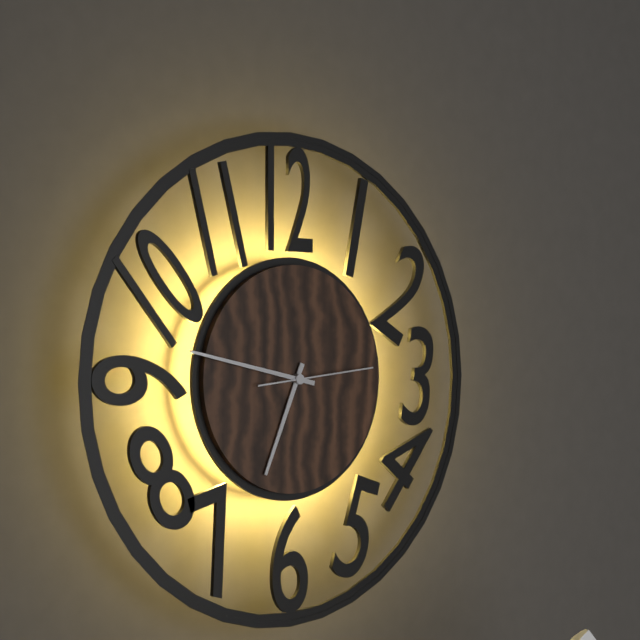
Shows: 6:47:14
